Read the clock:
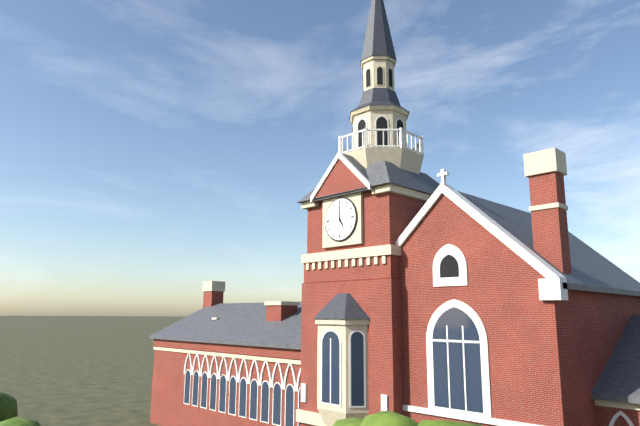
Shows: 5:00
